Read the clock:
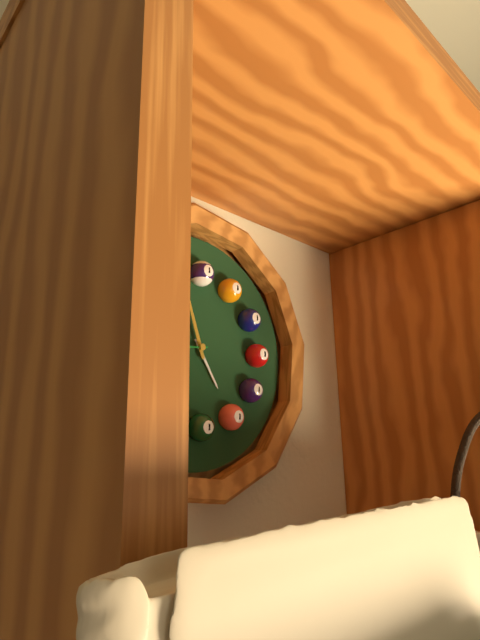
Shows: 4:57
